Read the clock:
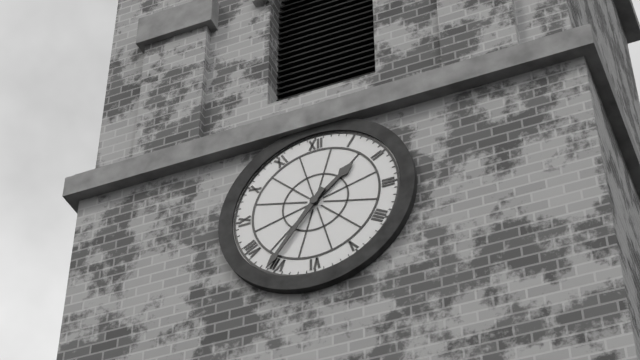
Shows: 1:36
